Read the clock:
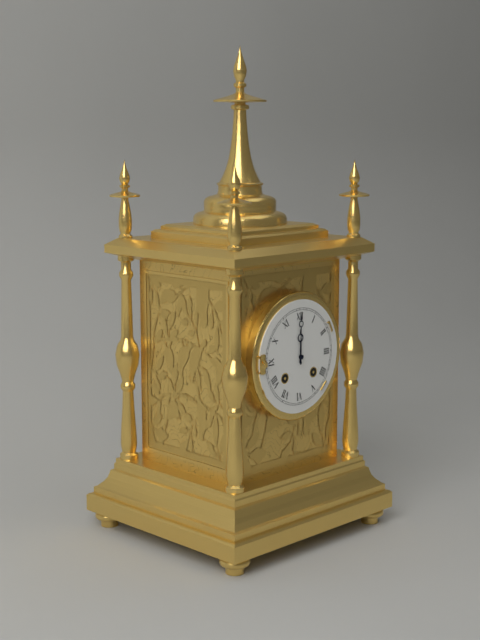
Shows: 12:00
